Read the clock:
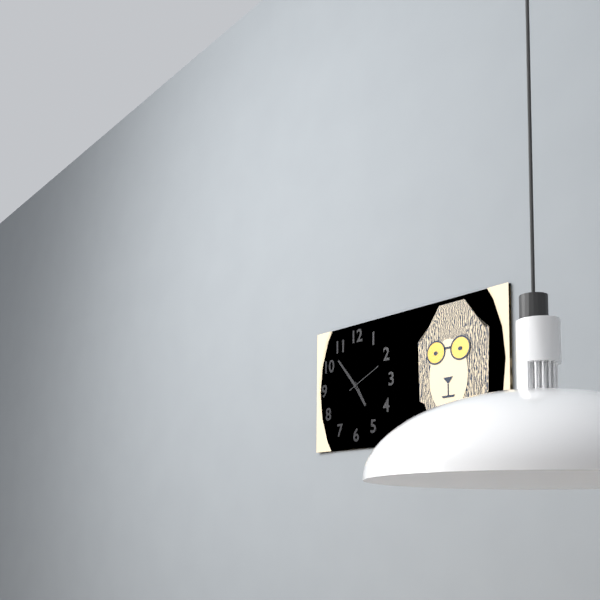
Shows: 4:53
